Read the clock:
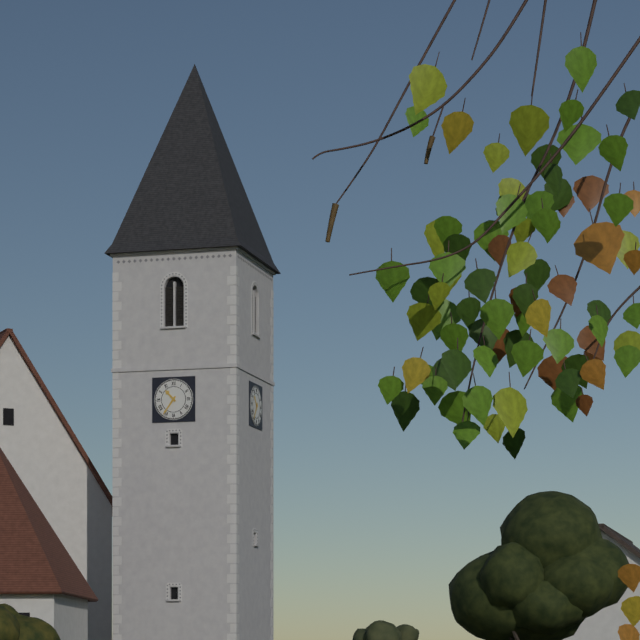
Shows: 10:36
